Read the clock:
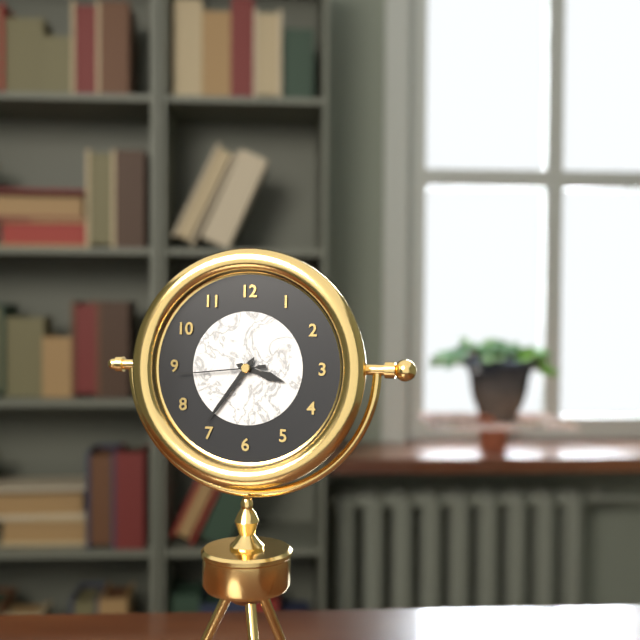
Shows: 3:36:44
